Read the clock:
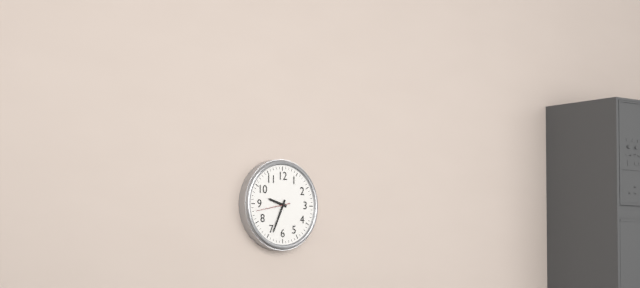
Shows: 9:34
